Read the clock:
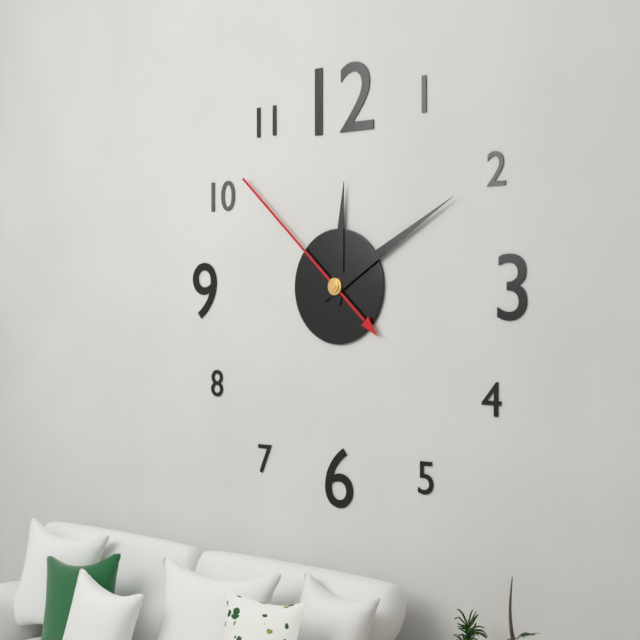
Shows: 12:10:52
